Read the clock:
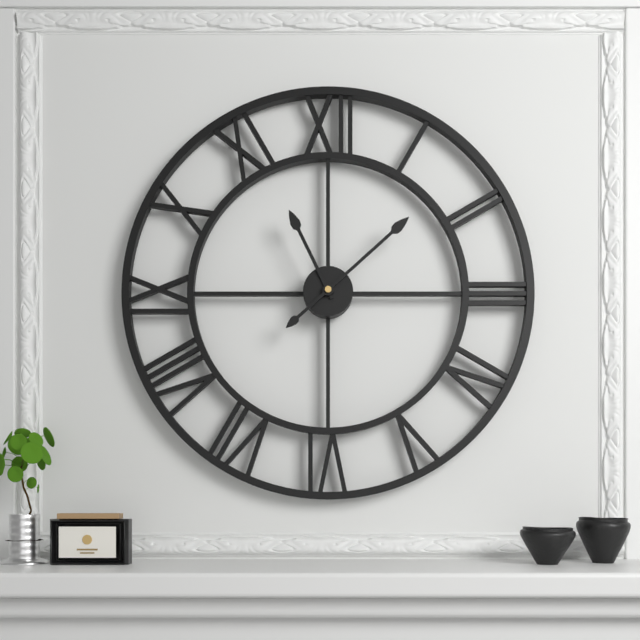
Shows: 11:08
